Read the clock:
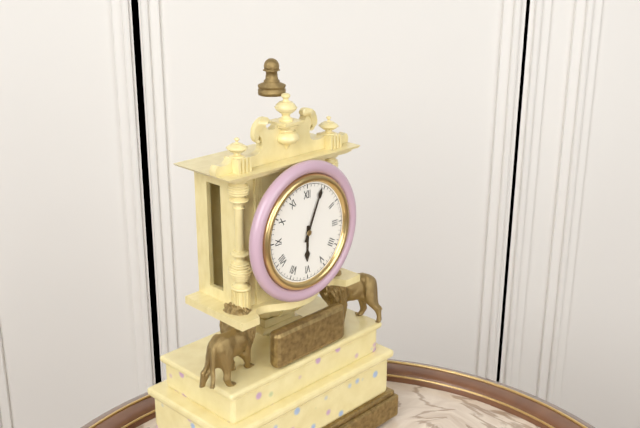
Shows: 6:04
